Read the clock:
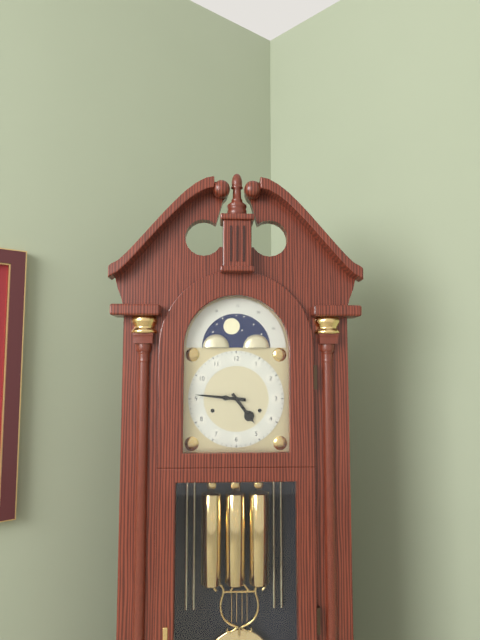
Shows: 4:46
